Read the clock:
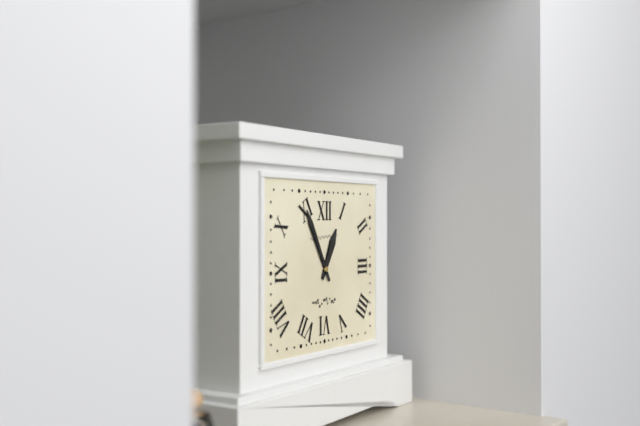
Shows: 12:55
